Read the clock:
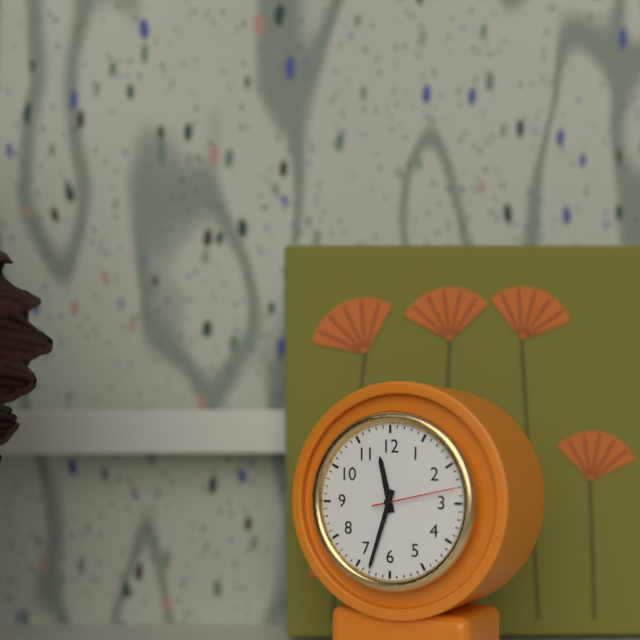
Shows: 11:33:13
